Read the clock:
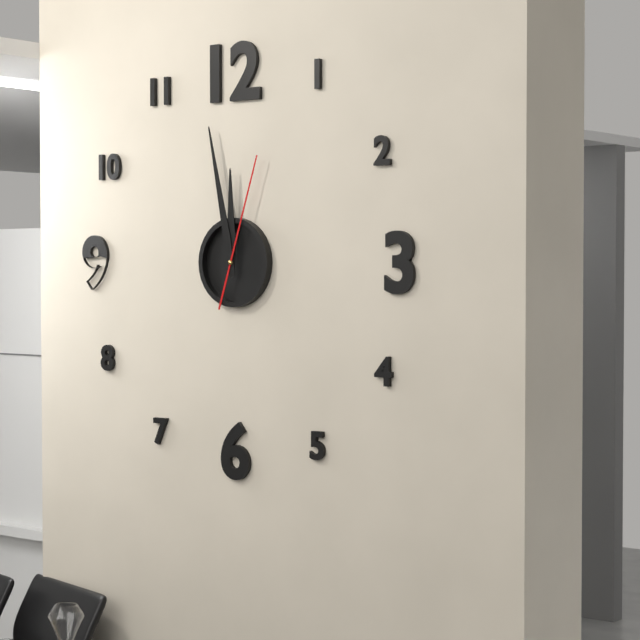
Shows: 11:58:03
